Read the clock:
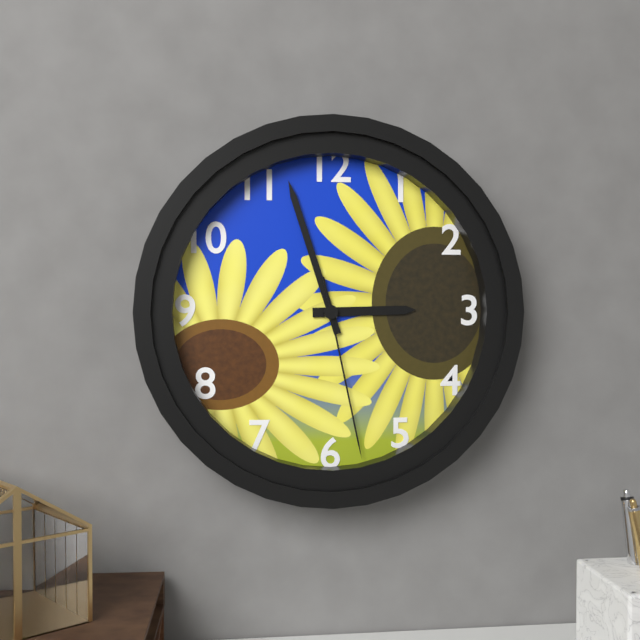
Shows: 2:57:28
